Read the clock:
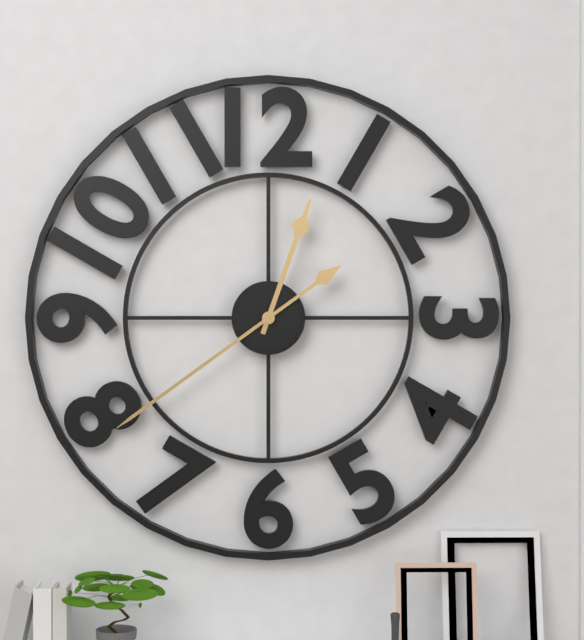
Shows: 12:39
